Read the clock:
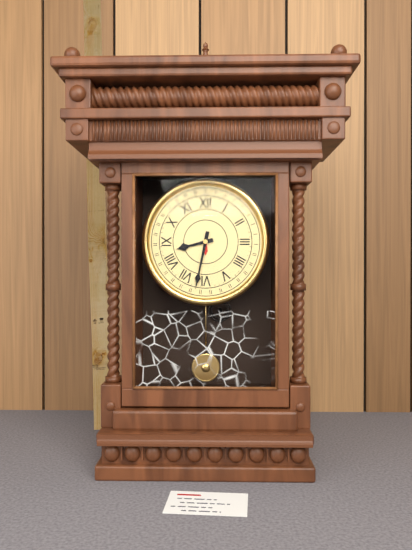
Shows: 8:32
